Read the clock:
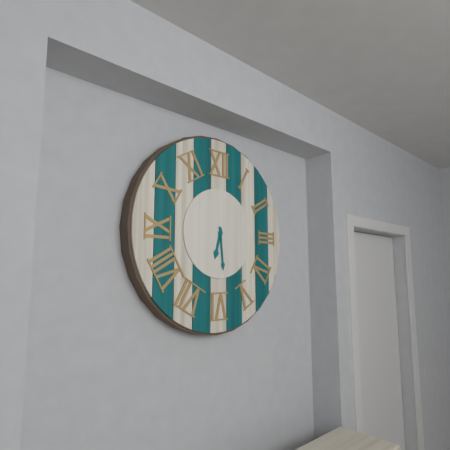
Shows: 6:29
